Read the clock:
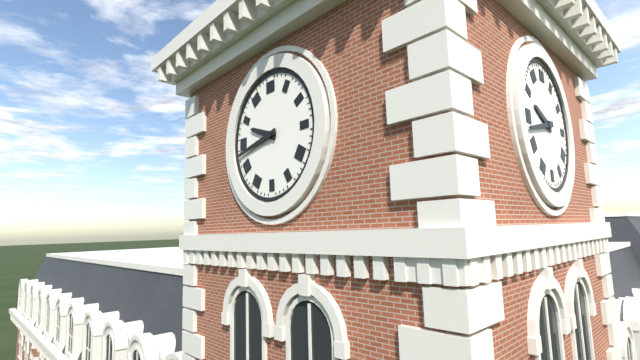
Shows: 9:43
